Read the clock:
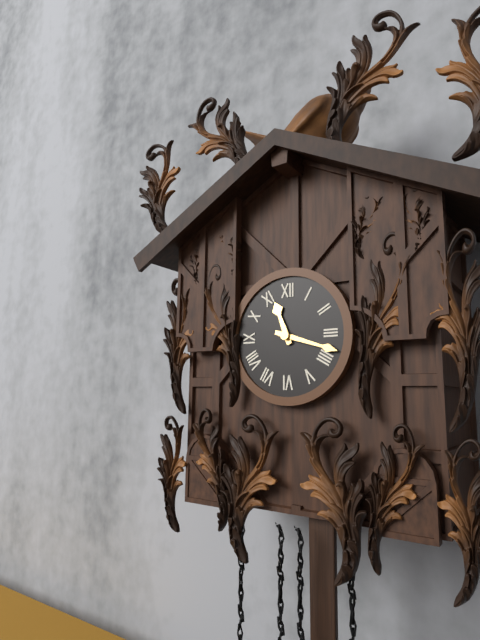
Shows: 11:18
